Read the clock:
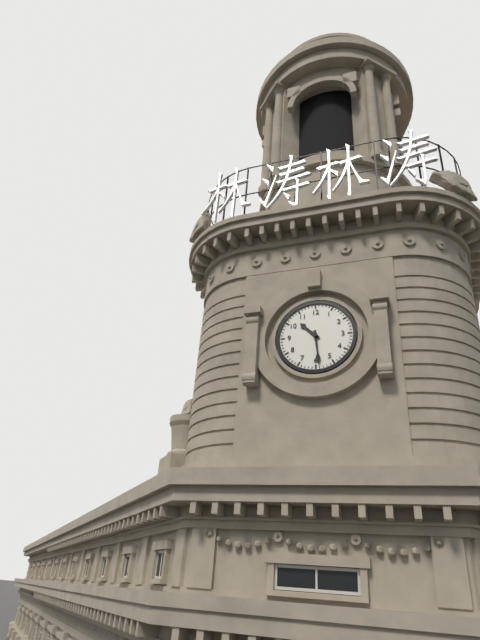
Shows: 10:29
